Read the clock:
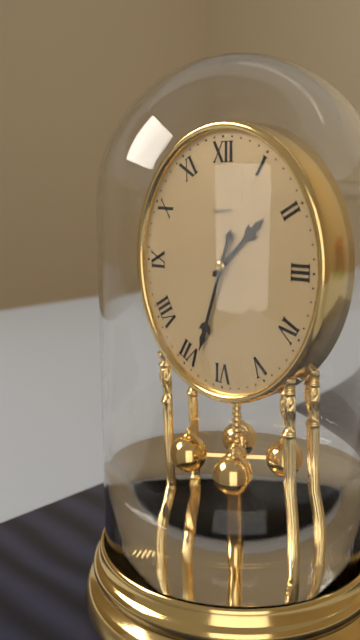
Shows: 1:33
